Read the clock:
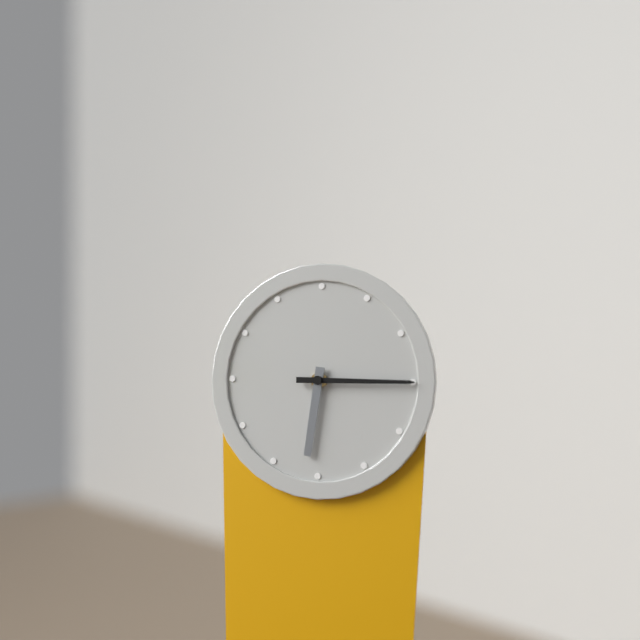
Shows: 6:15
